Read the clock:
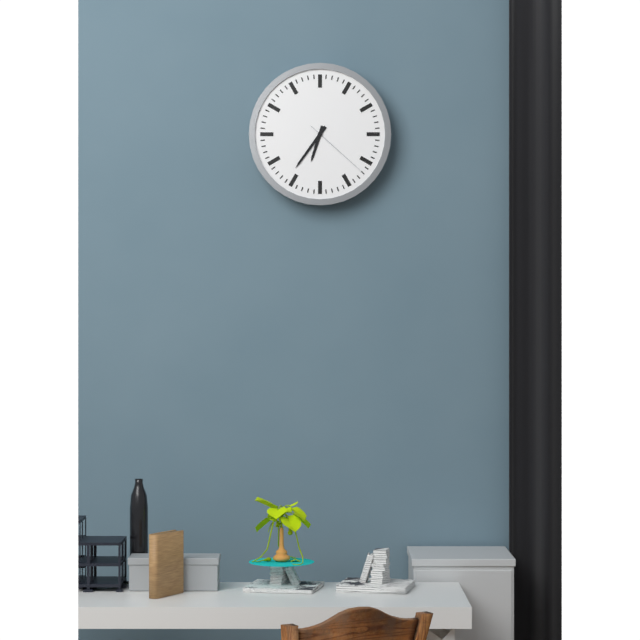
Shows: 6:36:22
